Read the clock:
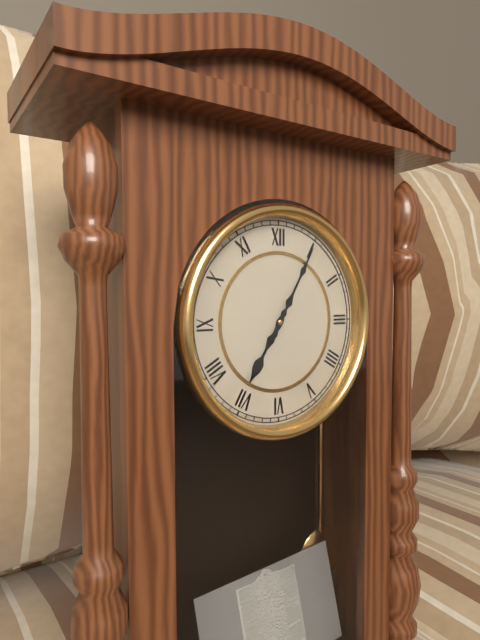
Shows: 7:05
